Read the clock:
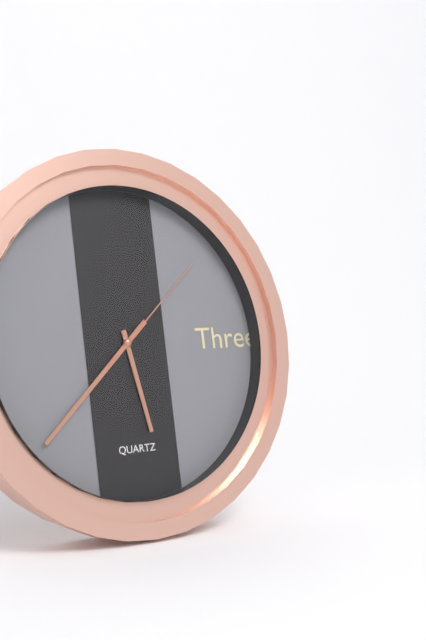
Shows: 5:38:08
